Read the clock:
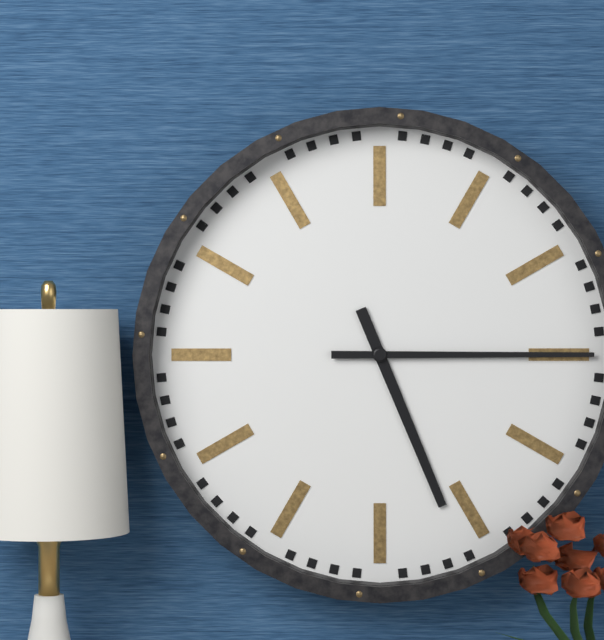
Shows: 5:15
